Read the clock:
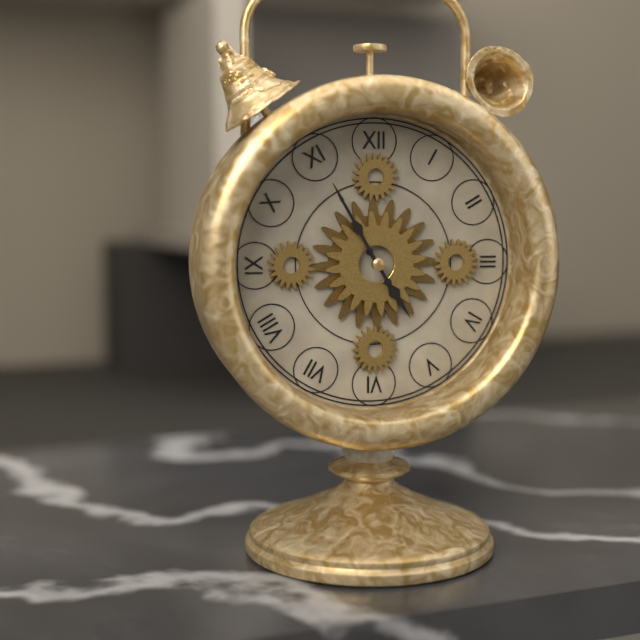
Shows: 4:55
